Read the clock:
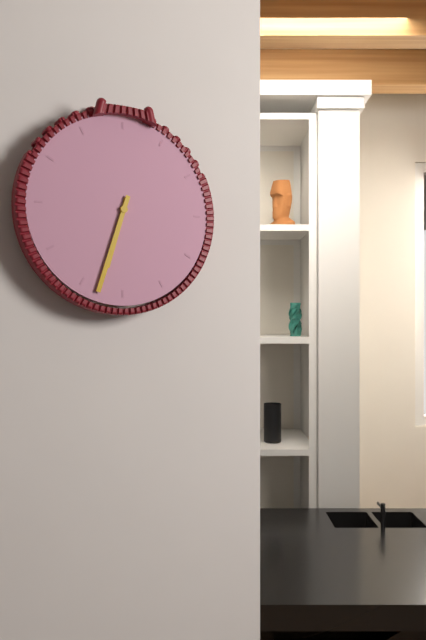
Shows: 6:33
